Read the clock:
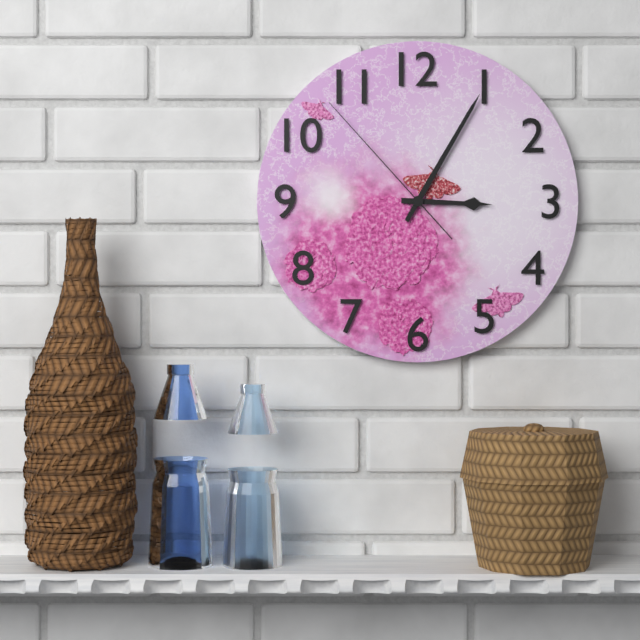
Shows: 3:05:53
